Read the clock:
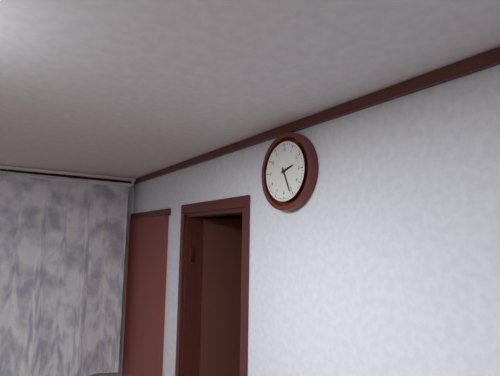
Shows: 2:26
